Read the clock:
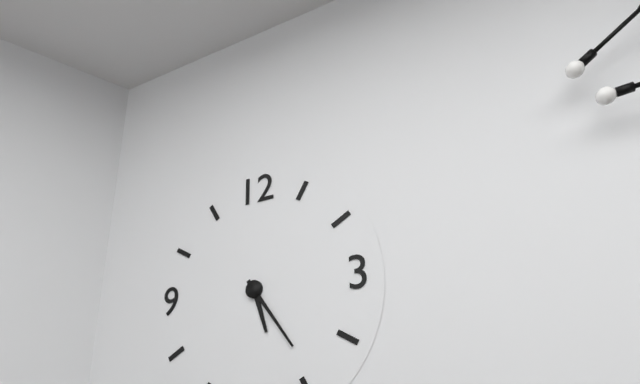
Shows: 5:24
